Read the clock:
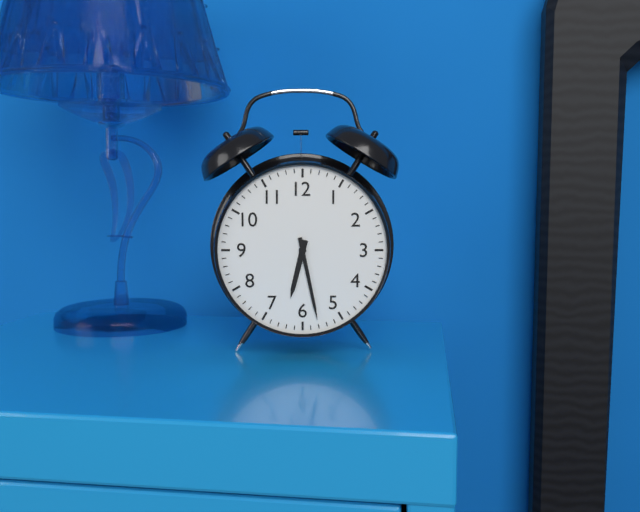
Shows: 6:28
